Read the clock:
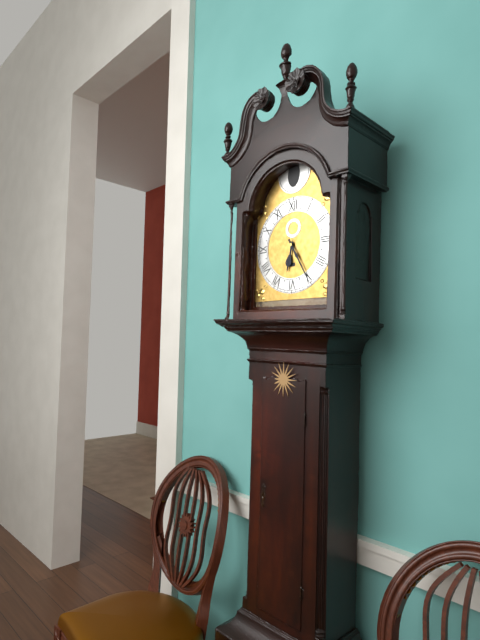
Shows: 6:25
